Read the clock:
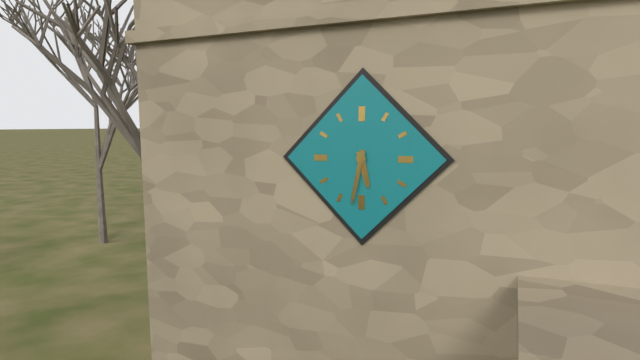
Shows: 5:32
